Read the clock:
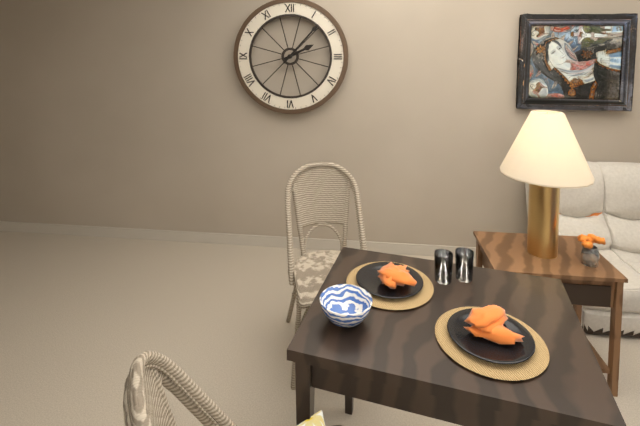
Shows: 2:07
